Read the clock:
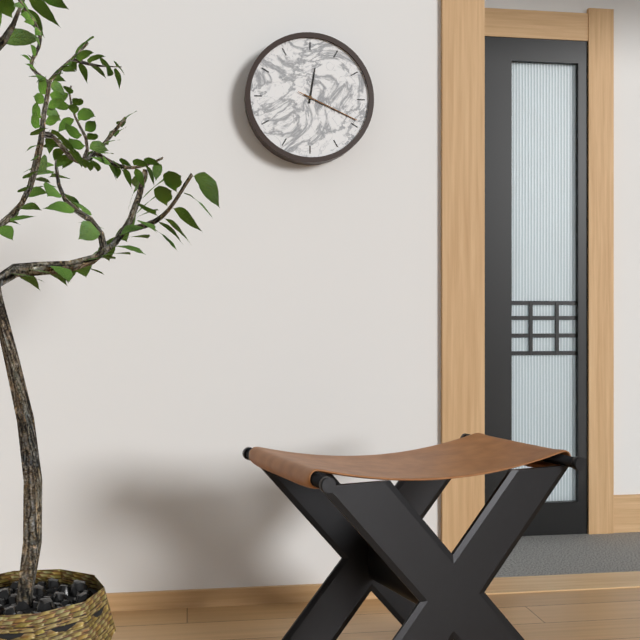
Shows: 12:19:19
